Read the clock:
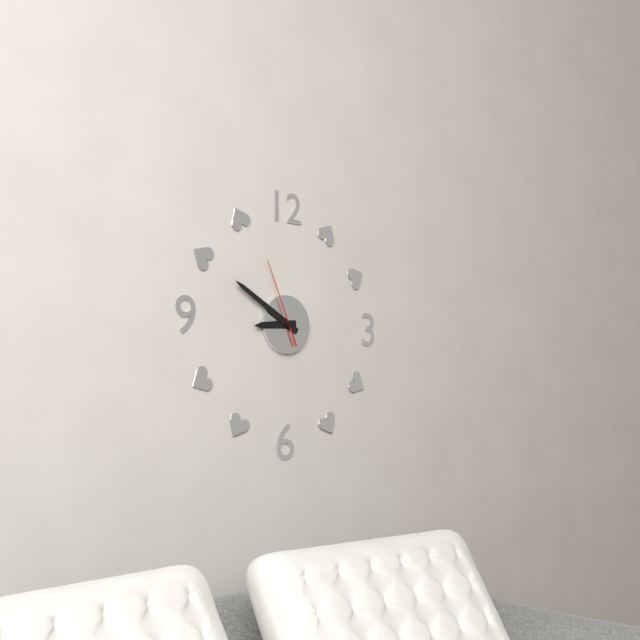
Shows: 8:50:56
